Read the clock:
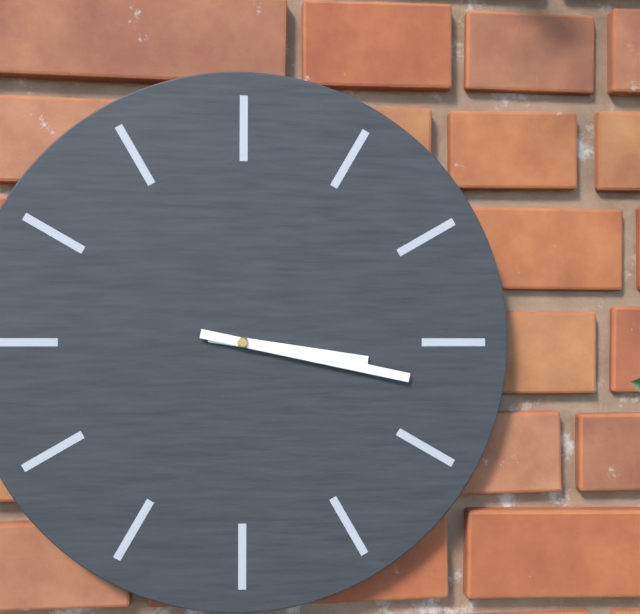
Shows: 3:17
